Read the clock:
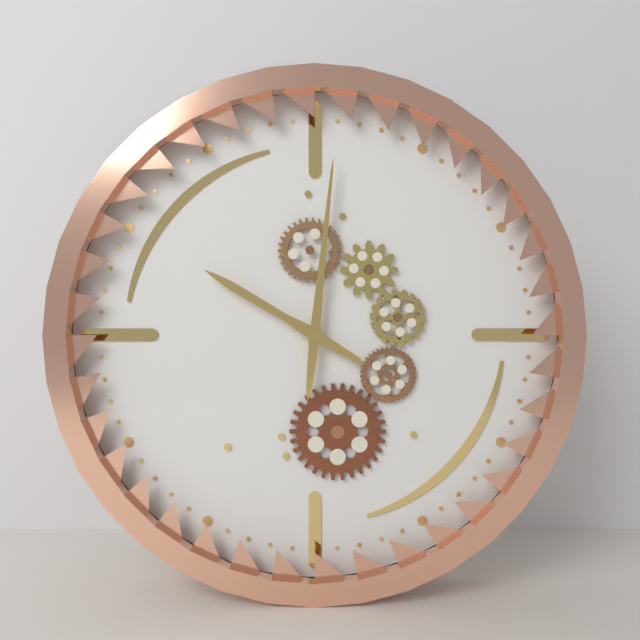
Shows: 10:01
